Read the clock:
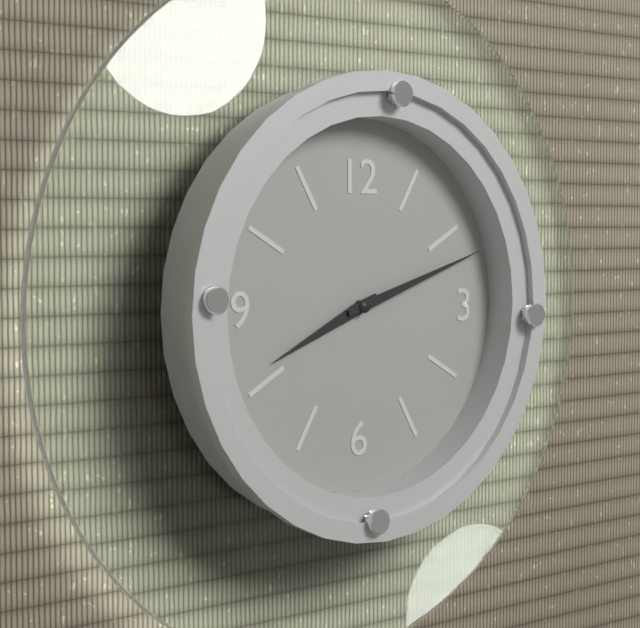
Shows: 8:12
